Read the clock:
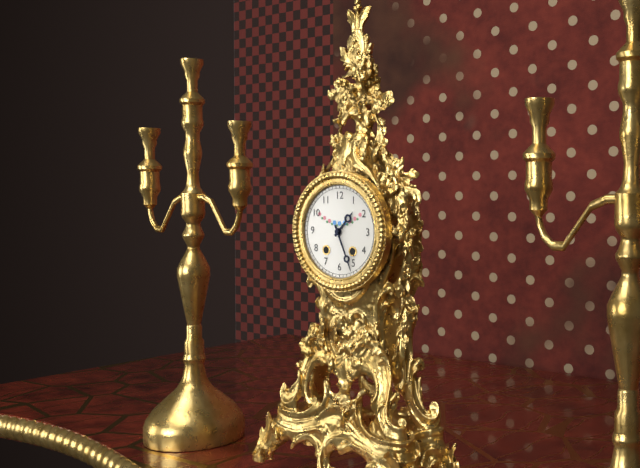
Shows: 1:26
